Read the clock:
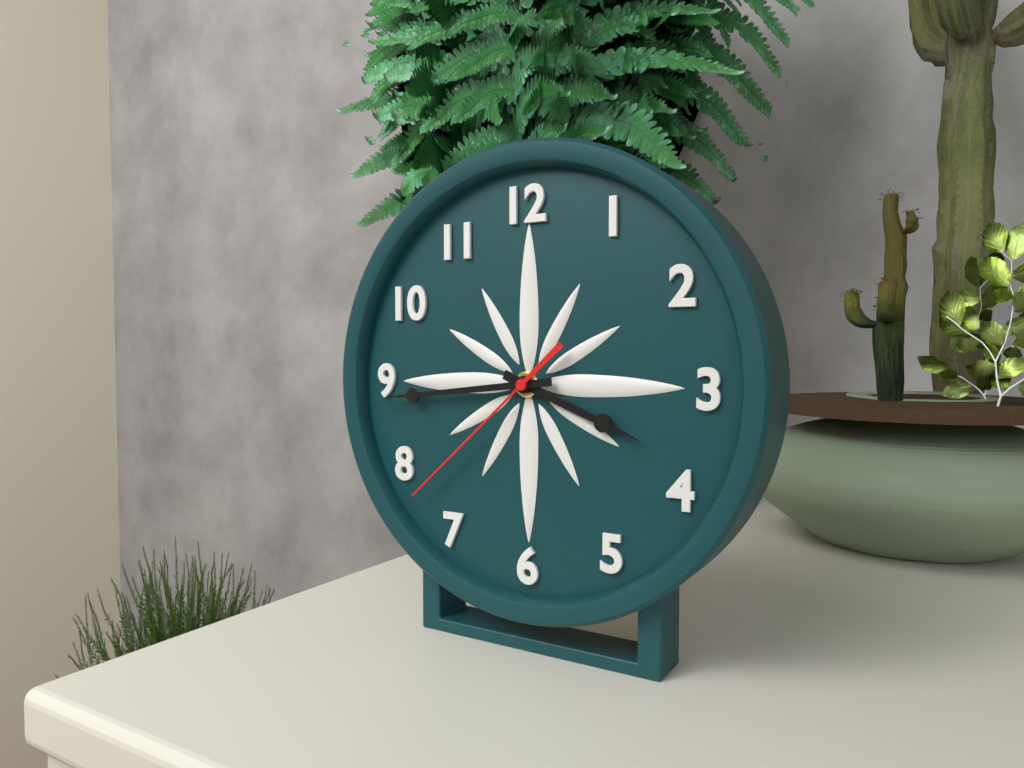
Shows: 3:44:38
